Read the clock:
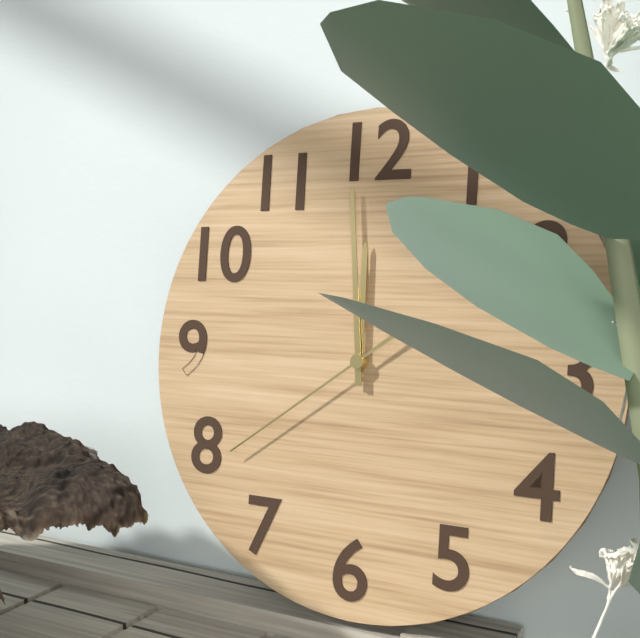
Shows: 11:59:39
